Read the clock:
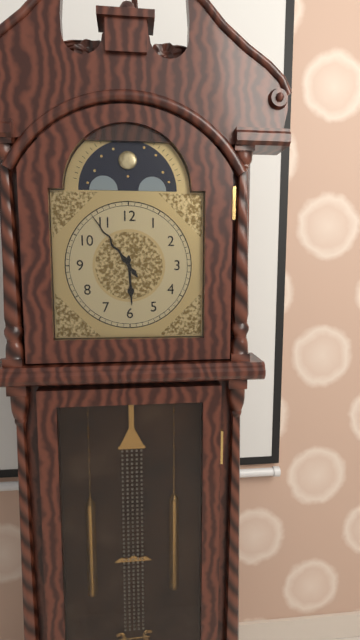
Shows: 5:54
